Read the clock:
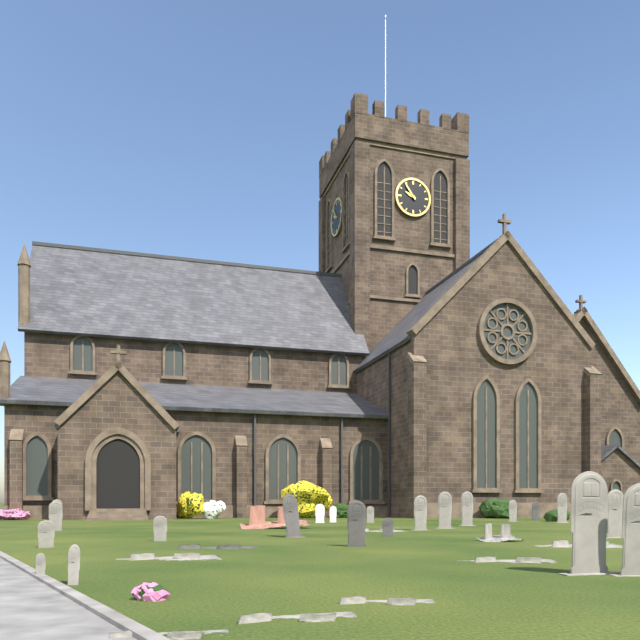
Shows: 9:54
